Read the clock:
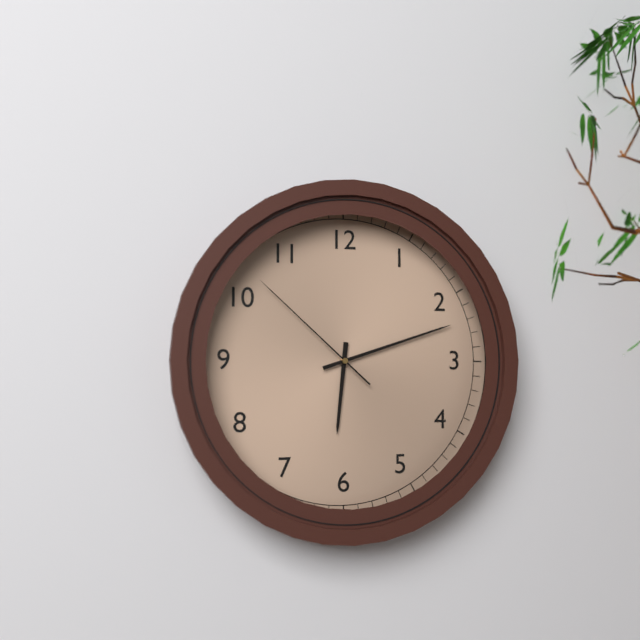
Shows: 6:12:52
